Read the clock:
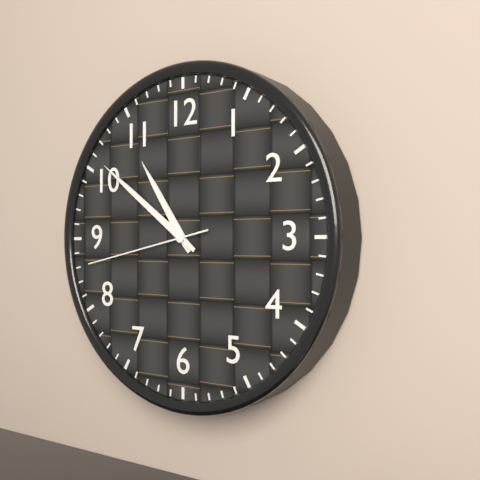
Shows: 10:51:43
